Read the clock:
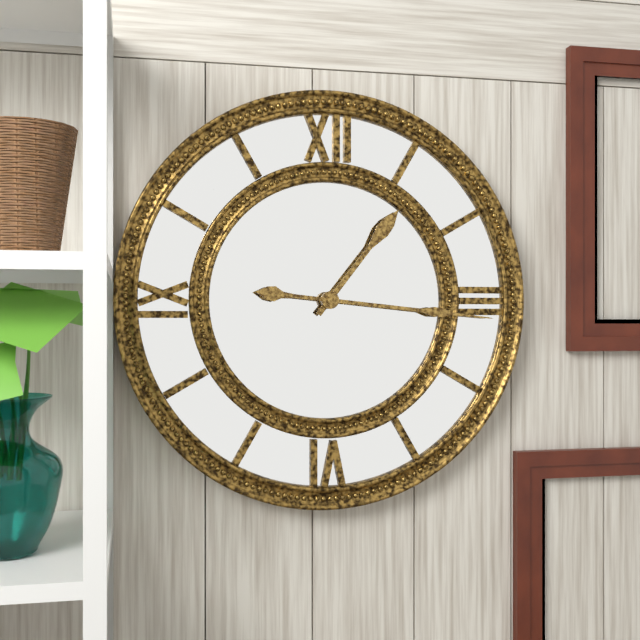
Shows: 1:16
